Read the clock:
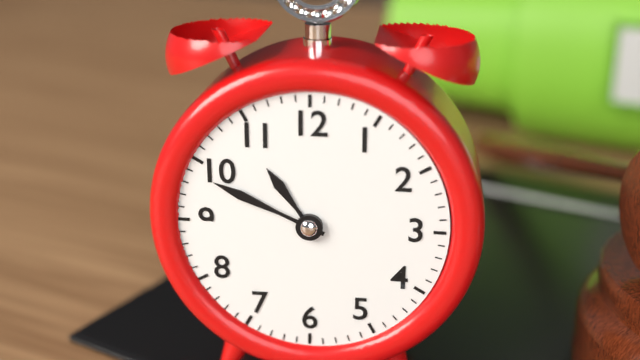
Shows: 10:49
